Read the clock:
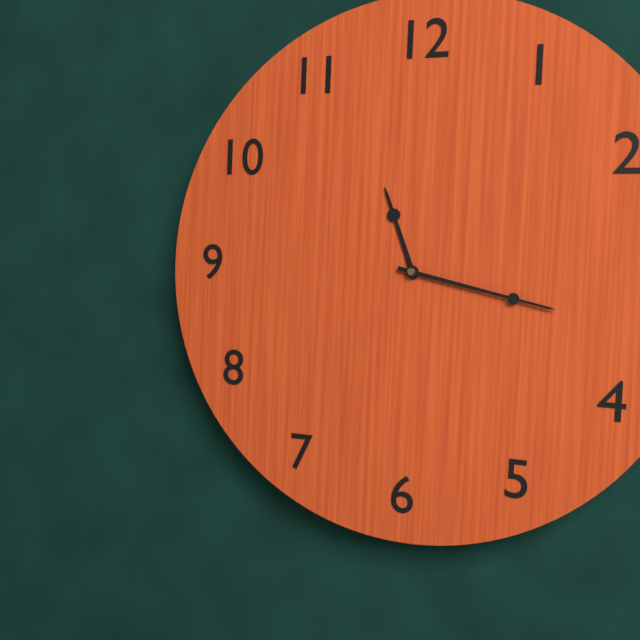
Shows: 11:17
